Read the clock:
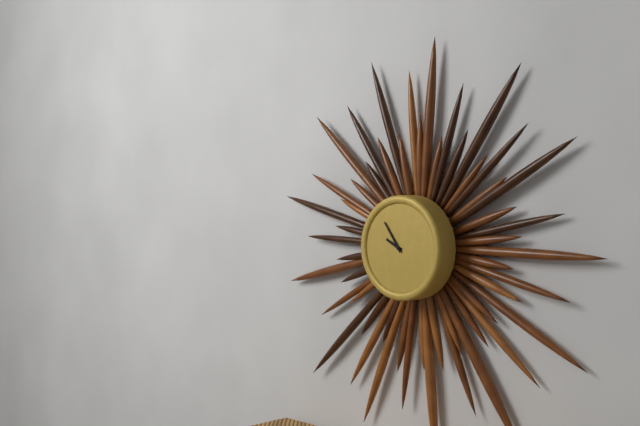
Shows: 9:54
